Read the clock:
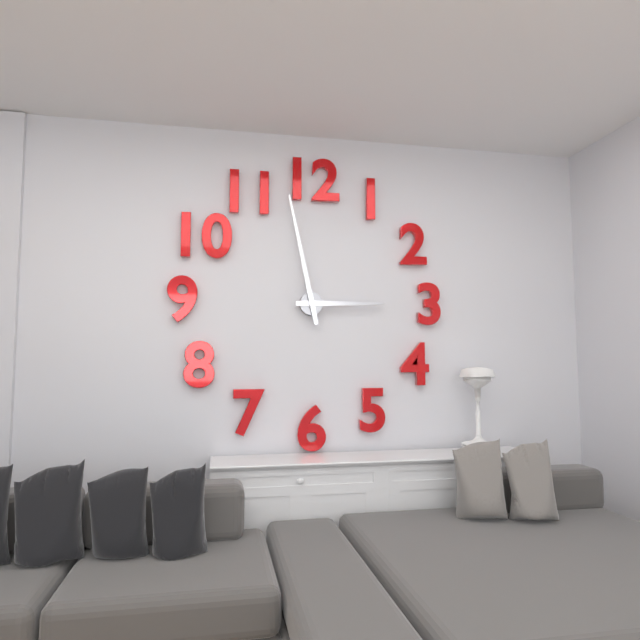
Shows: 2:58
